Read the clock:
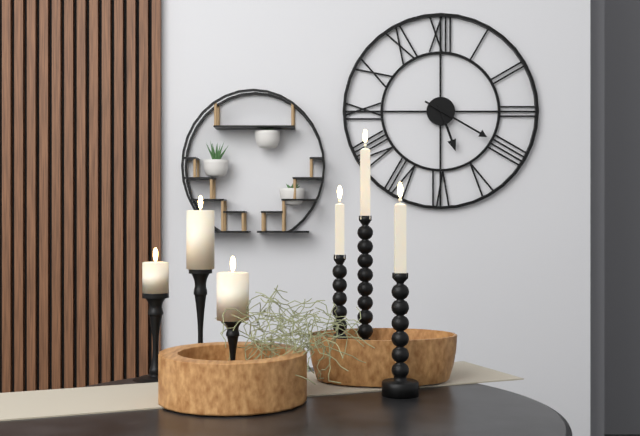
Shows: 5:20
